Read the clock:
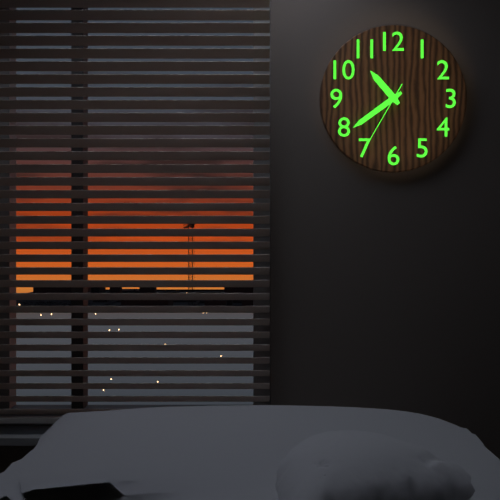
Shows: 10:39:35
